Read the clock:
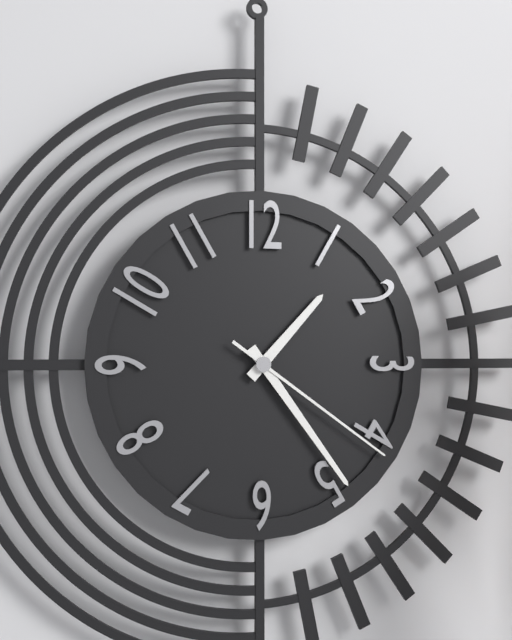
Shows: 1:24:21
